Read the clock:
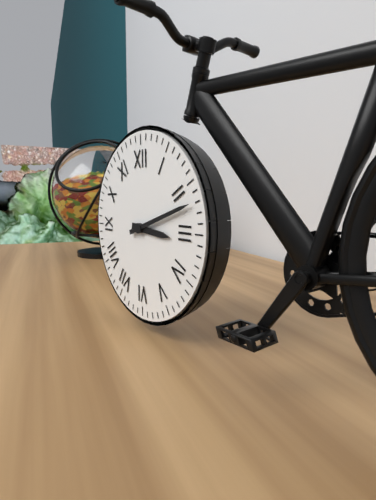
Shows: 3:12
